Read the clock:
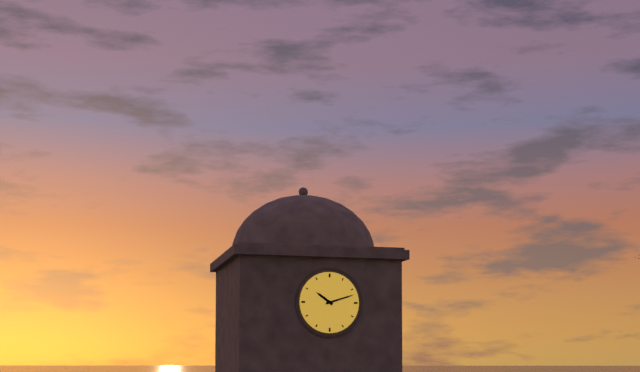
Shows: 10:12
